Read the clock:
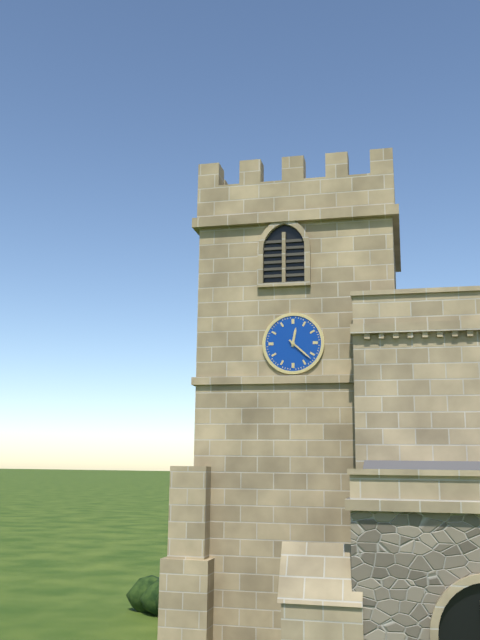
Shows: 12:22
